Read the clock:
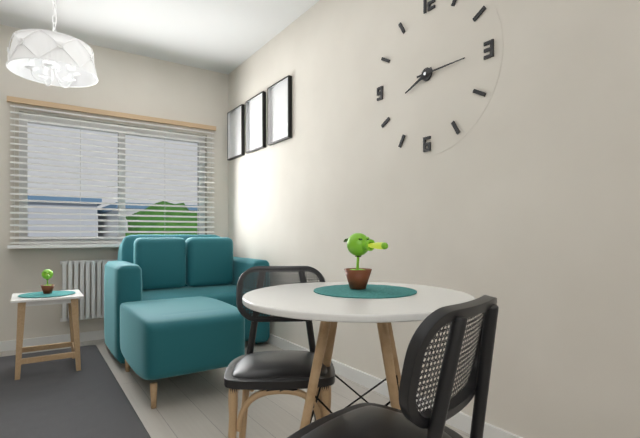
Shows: 8:15
